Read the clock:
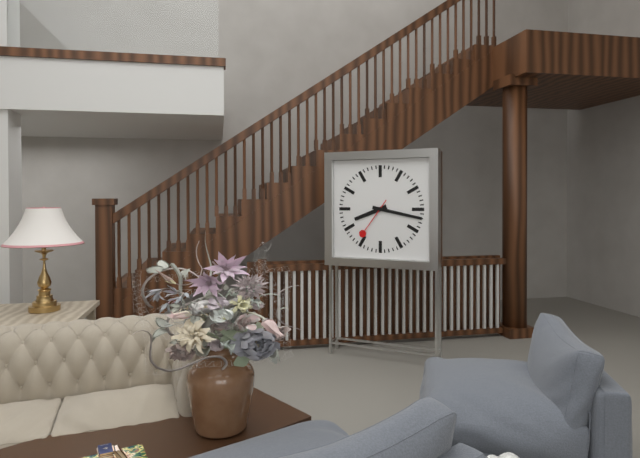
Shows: 8:17
